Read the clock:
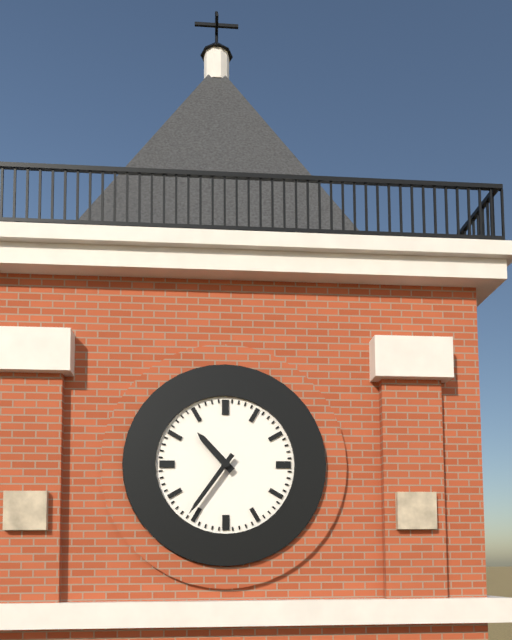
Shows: 10:36
